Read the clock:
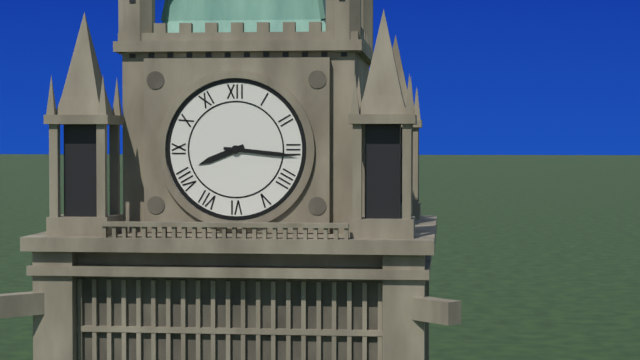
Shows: 8:16
